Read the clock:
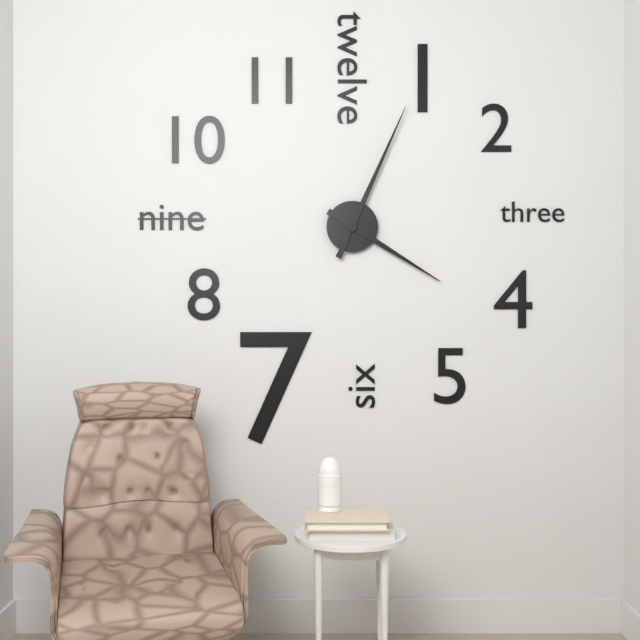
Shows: 4:04
